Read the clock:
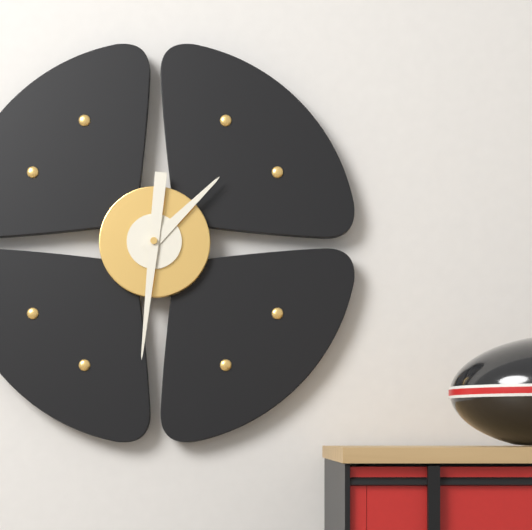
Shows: 1:31
